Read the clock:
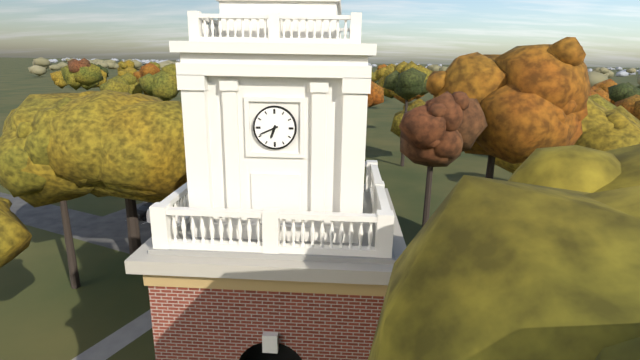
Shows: 6:41
